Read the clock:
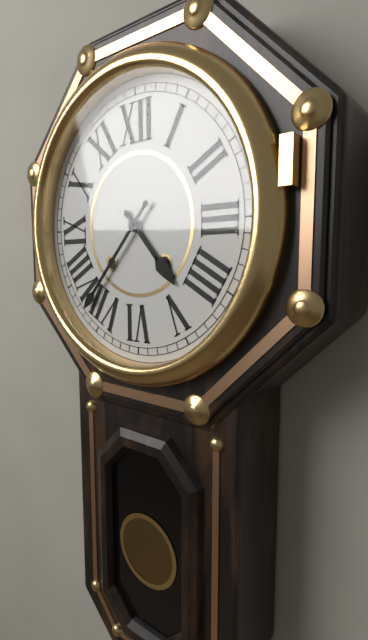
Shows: 4:37
